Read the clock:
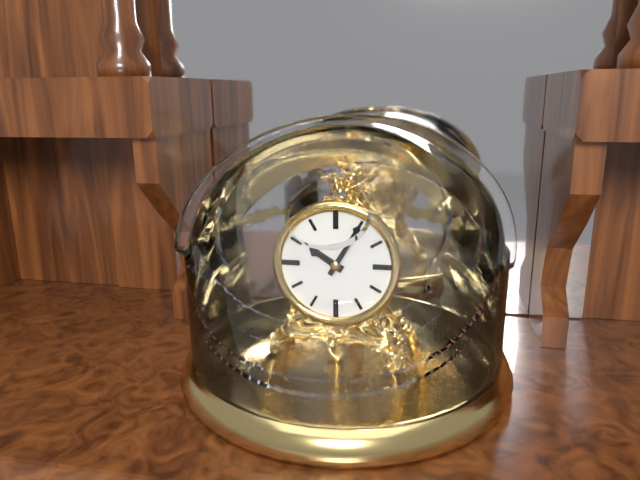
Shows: 10:05
